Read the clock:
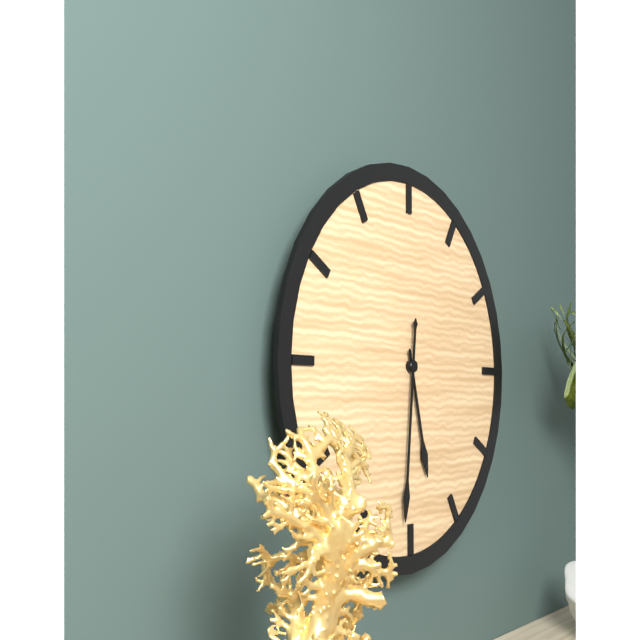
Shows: 5:31
